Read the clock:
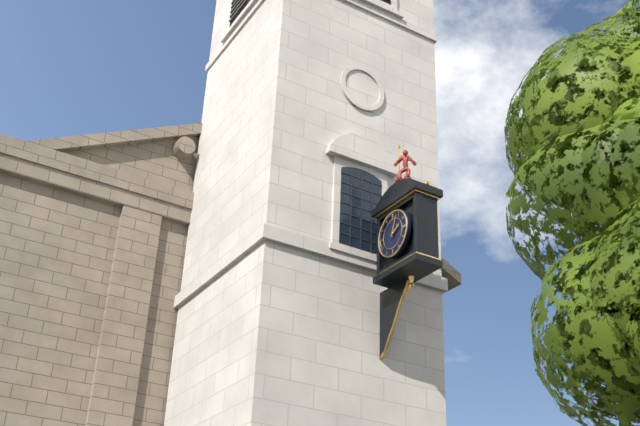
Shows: 2:03
